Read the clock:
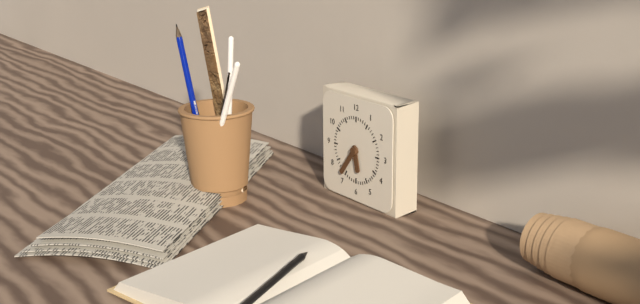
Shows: 5:36
